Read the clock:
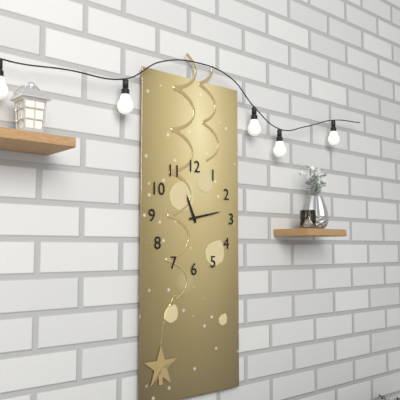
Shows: 11:13
